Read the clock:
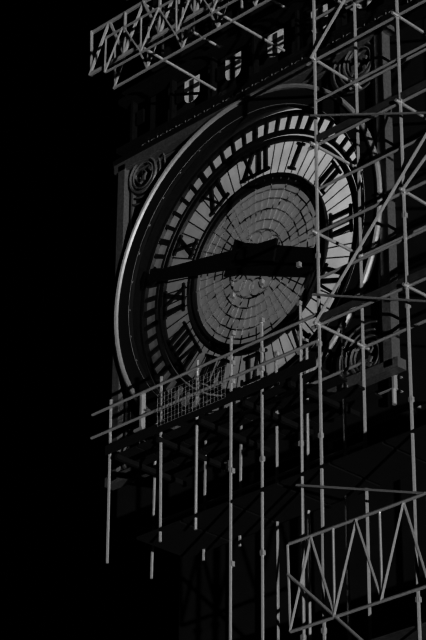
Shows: 3:47
